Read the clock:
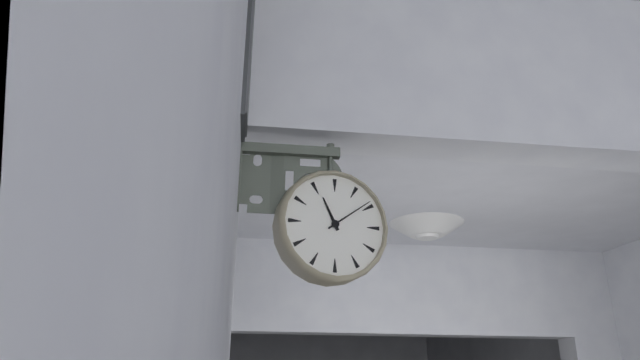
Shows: 11:09
